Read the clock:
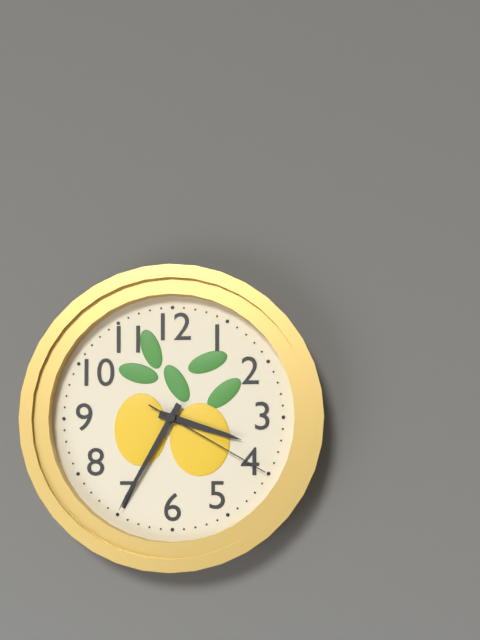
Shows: 3:35:20
